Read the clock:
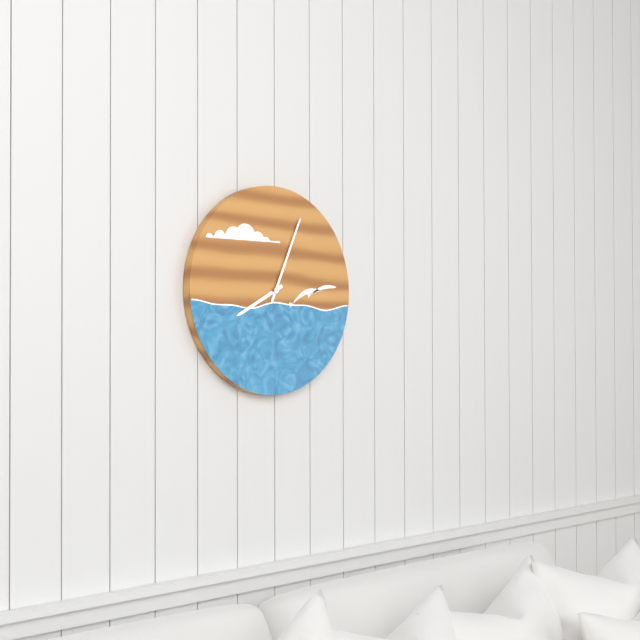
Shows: 8:04
